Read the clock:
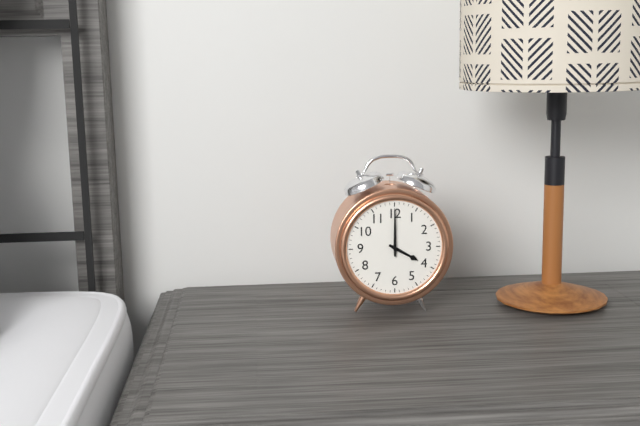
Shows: 4:00
